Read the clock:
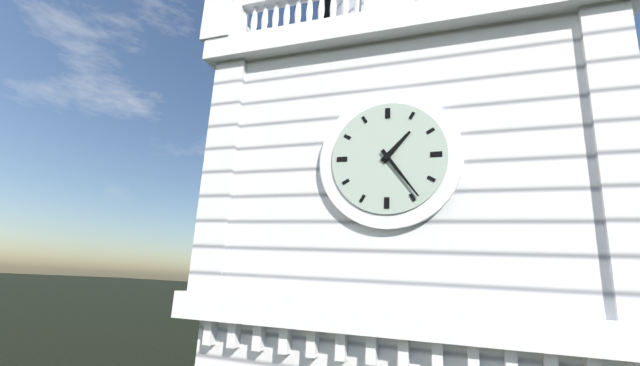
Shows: 1:24
